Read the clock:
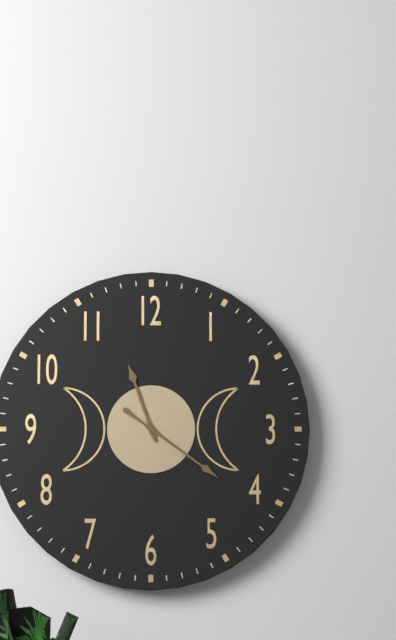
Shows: 11:21
